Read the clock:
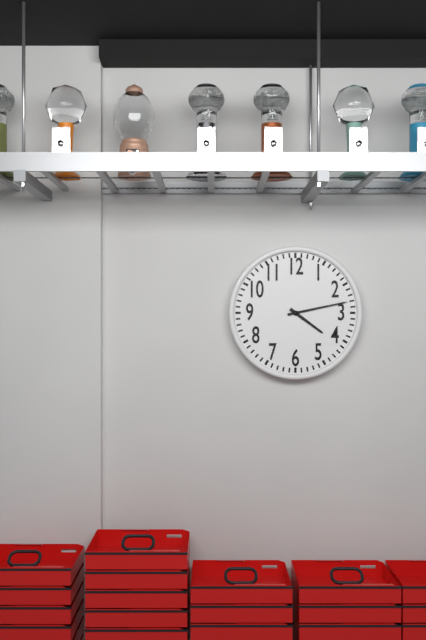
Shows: 4:13
